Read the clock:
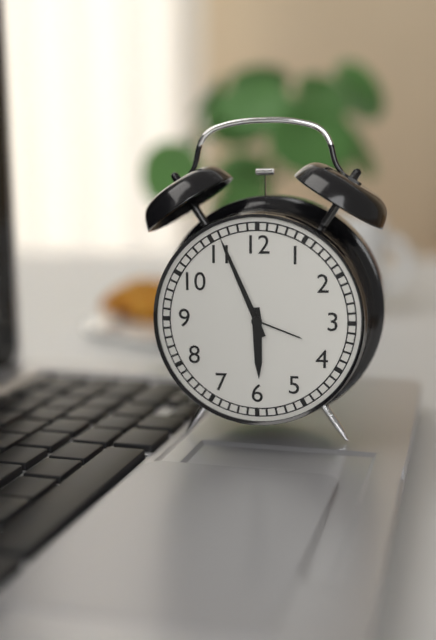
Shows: 5:56
